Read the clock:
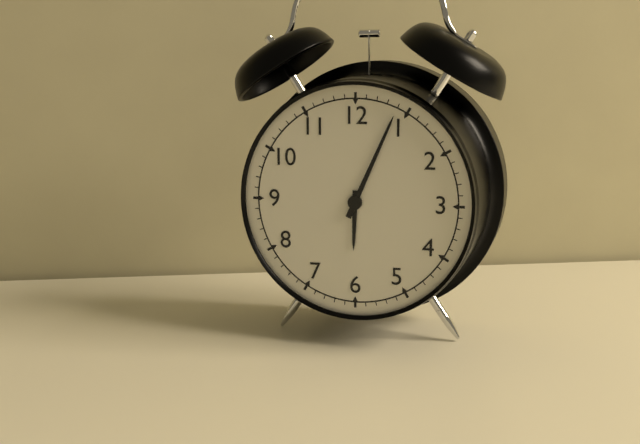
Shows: 6:04
